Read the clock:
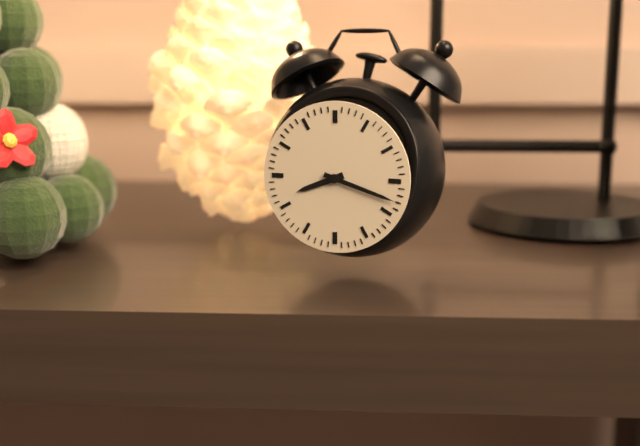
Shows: 8:18
